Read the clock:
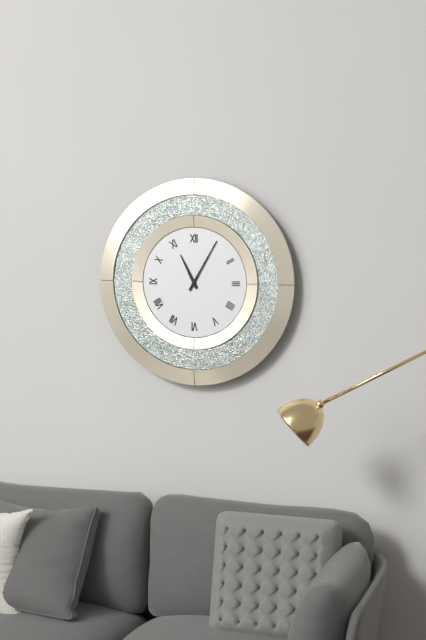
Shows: 11:05
